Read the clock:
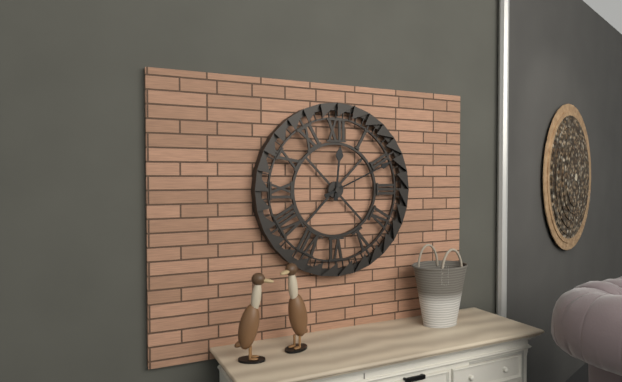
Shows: 12:11
